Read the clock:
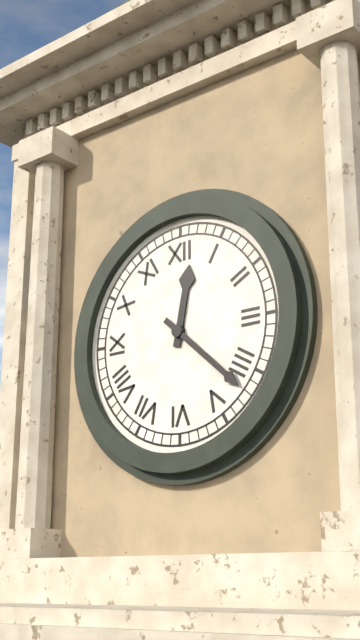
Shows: 12:22
